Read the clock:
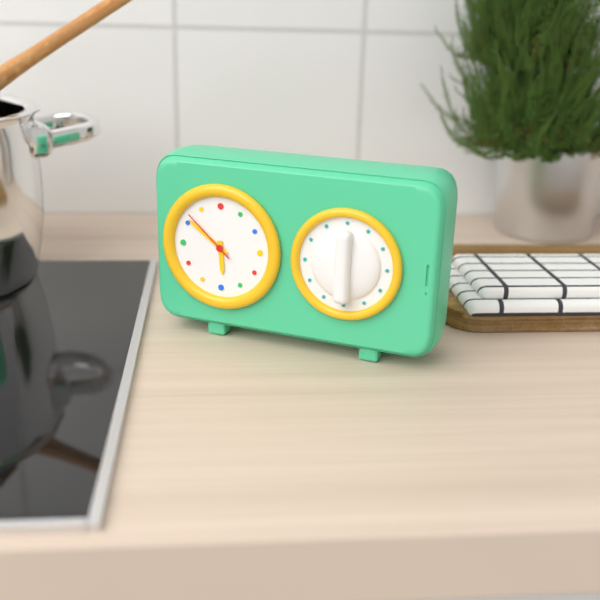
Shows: 5:51:52
